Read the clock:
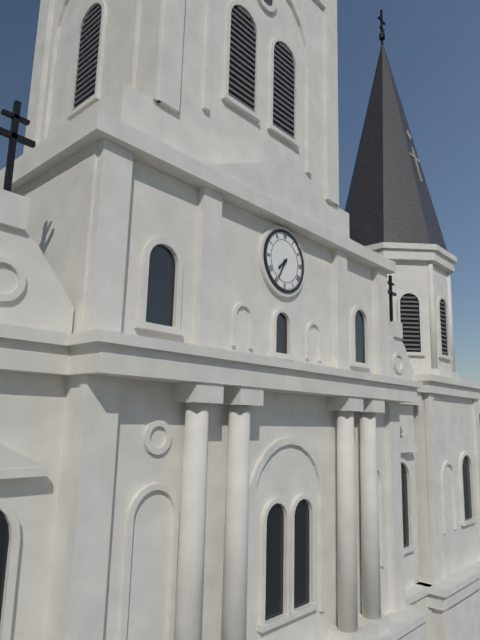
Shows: 7:35
